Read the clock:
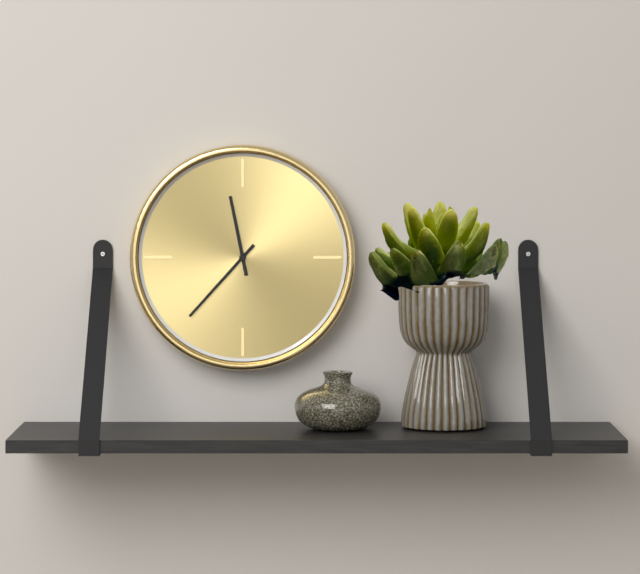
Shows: 11:37
